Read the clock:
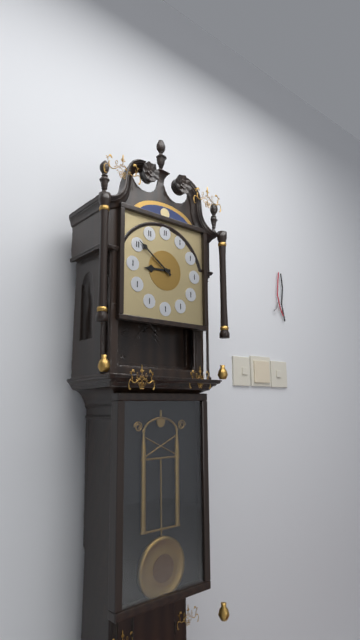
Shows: 8:51
